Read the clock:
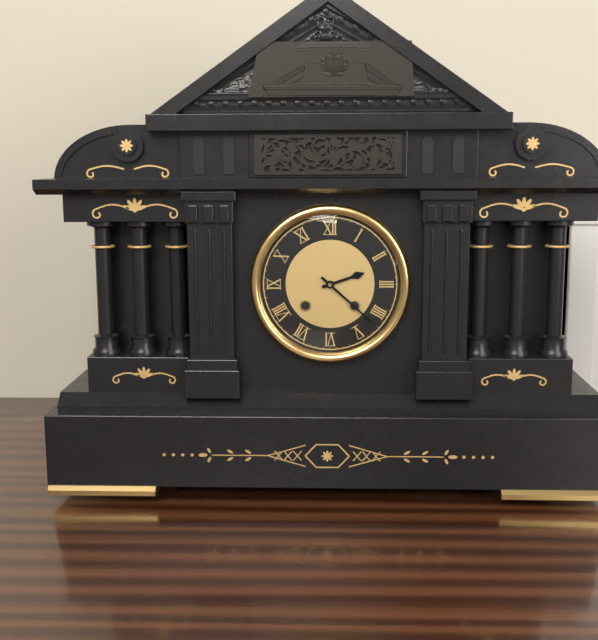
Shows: 2:22
